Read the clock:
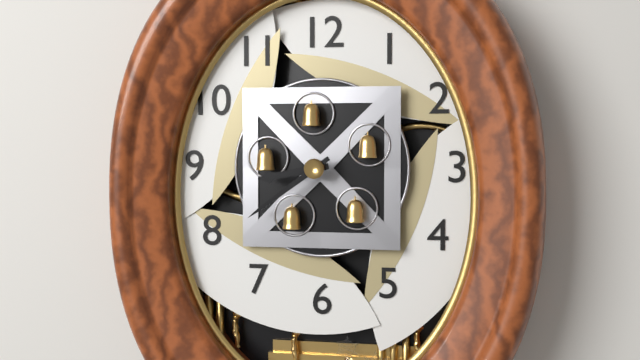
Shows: 8:39
